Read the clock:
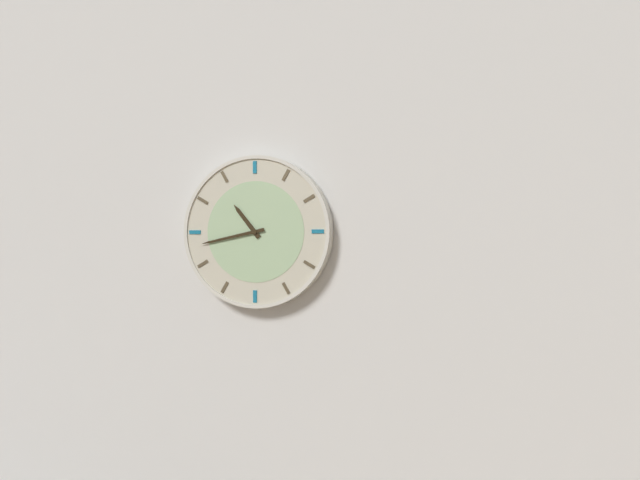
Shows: 10:43
